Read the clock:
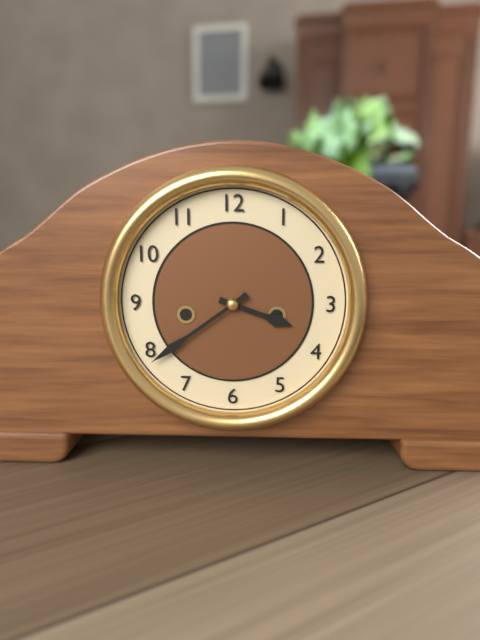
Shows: 3:39
